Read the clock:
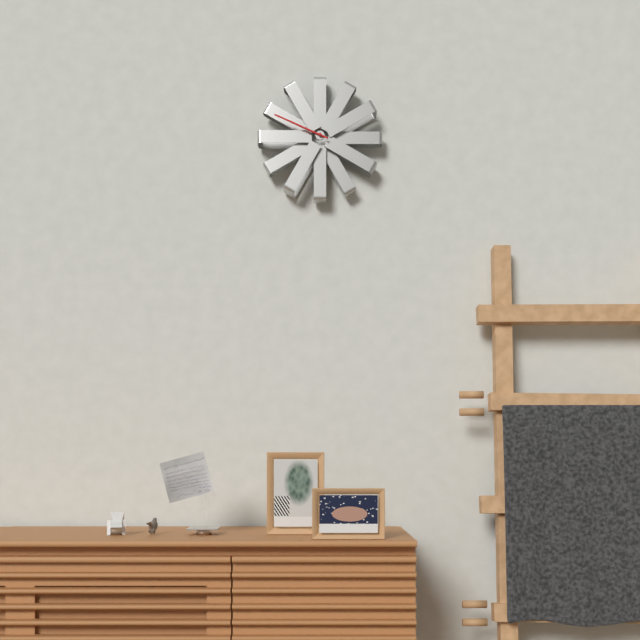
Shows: 9:49
